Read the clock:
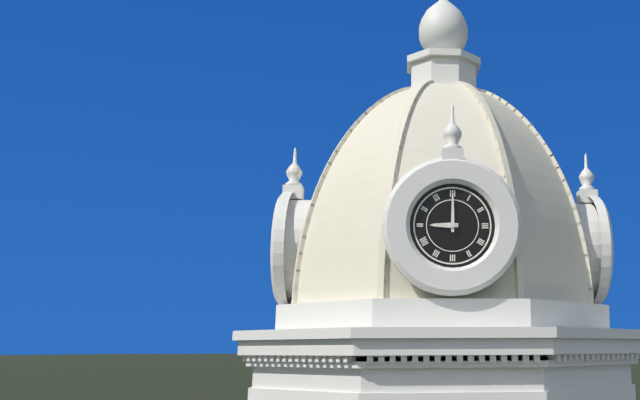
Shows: 9:00
